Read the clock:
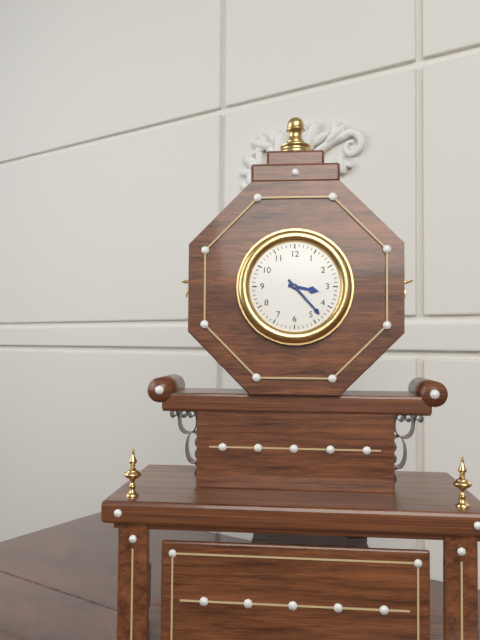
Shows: 3:23
